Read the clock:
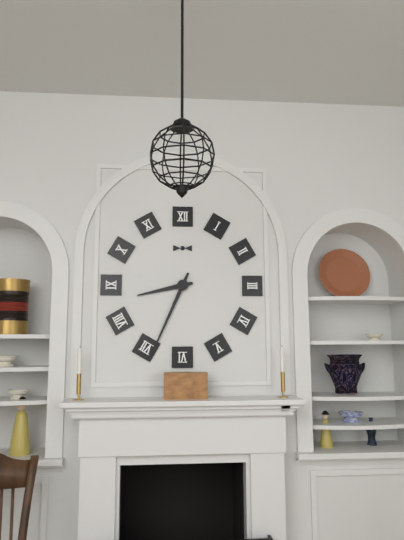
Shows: 8:34
